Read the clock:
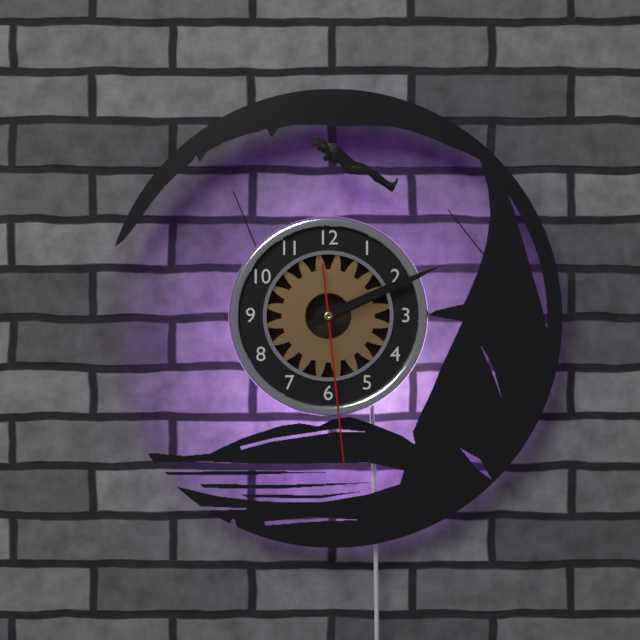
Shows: 2:11:29
